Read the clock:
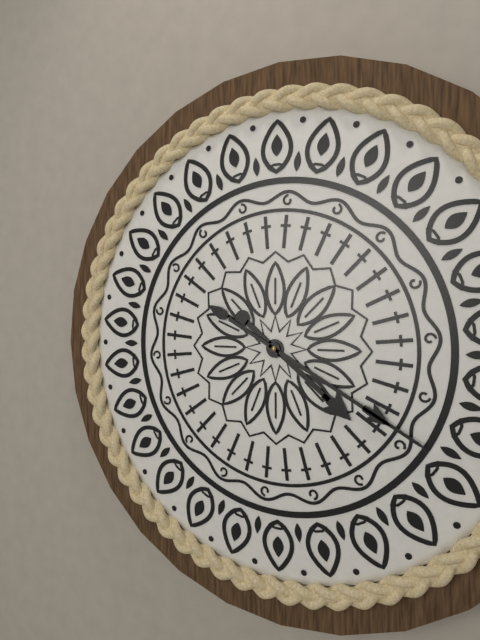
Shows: 4:20
